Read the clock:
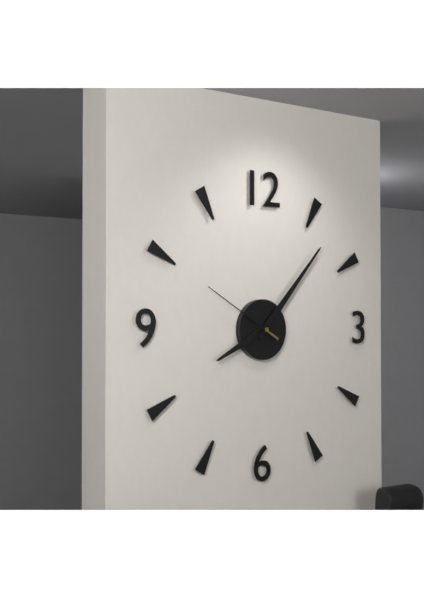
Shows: 8:07:50
